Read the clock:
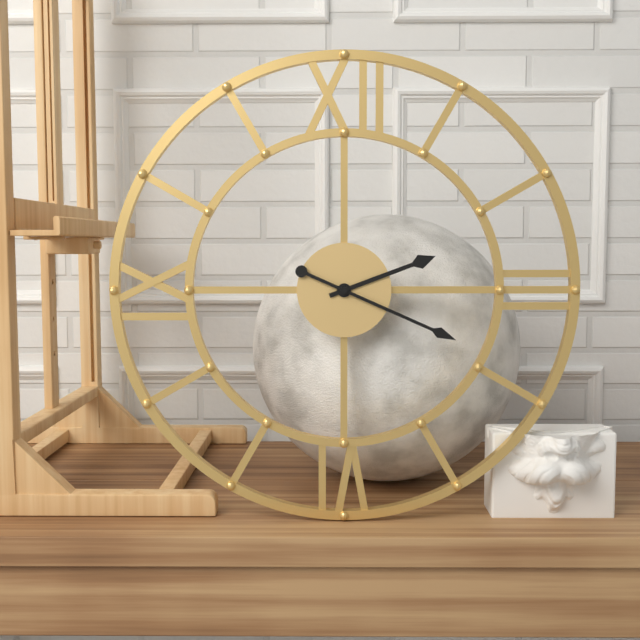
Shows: 2:19
